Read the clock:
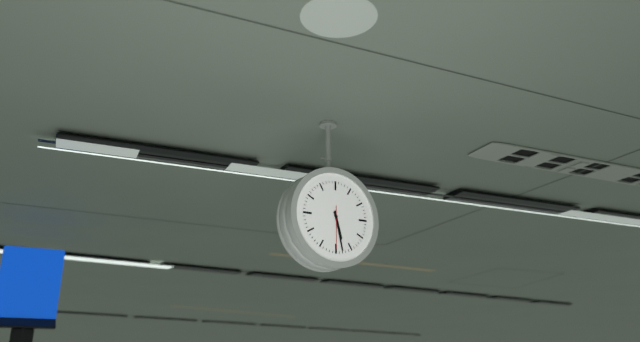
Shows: 5:28
